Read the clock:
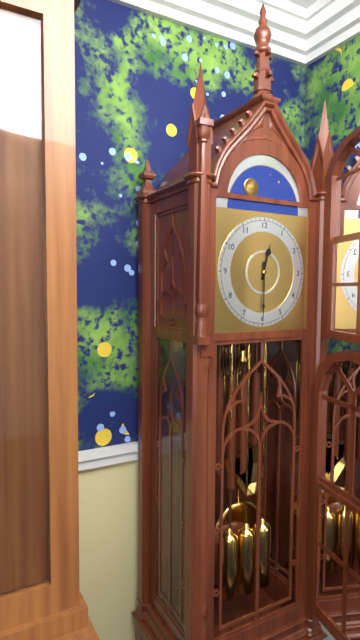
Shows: 12:30
